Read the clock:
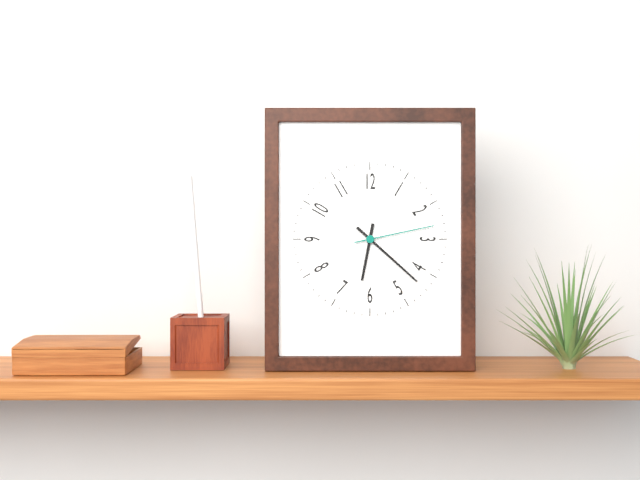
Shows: 6:22:13
